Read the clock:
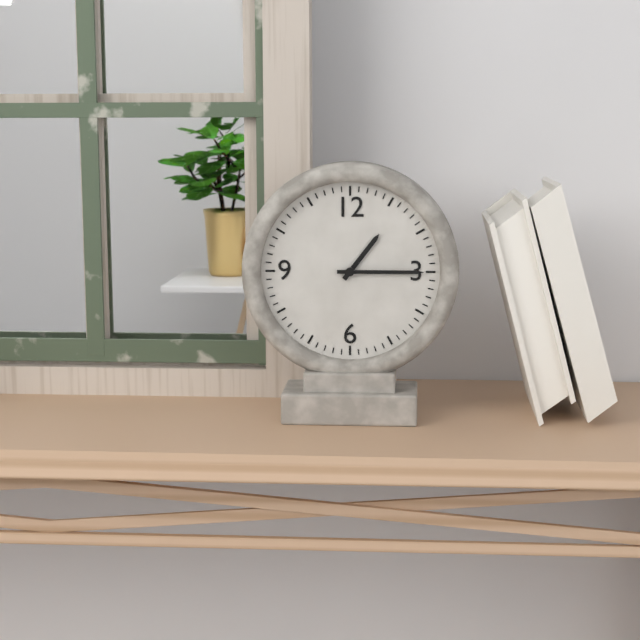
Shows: 1:15
